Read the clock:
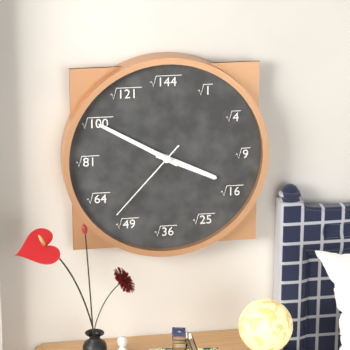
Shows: 3:50:37
